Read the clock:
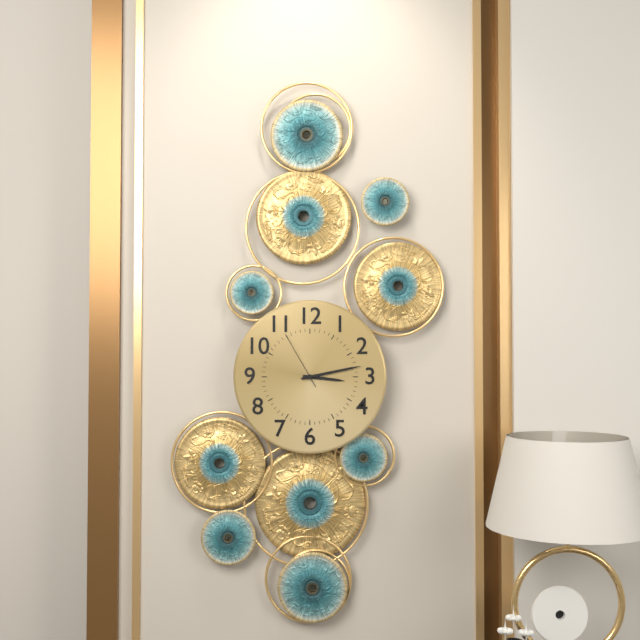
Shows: 3:13:55
